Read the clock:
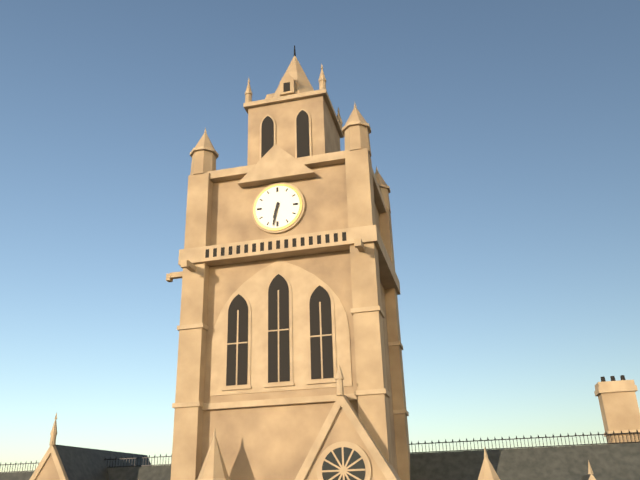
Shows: 6:32
